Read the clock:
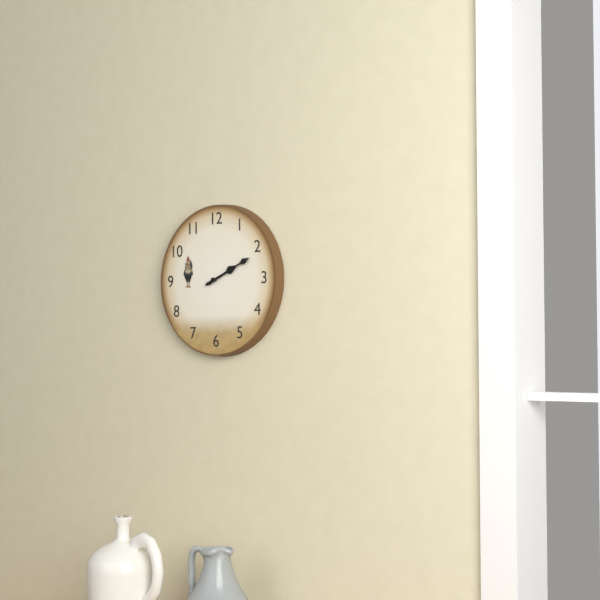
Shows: 2:11
